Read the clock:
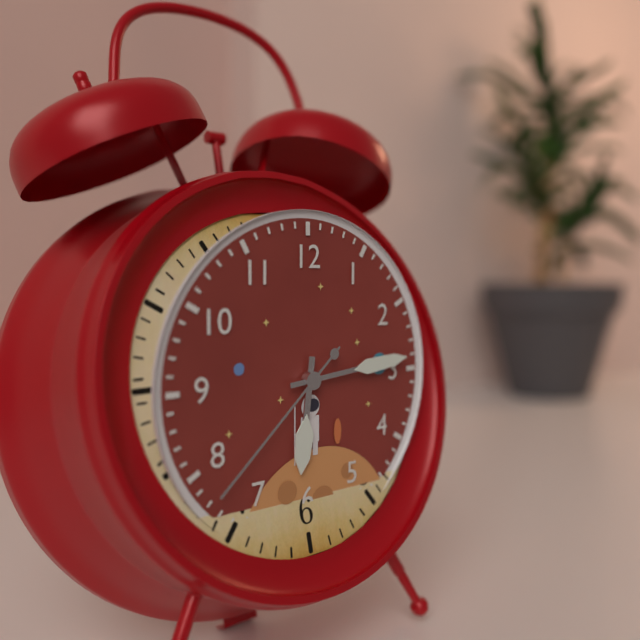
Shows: 6:14:38
